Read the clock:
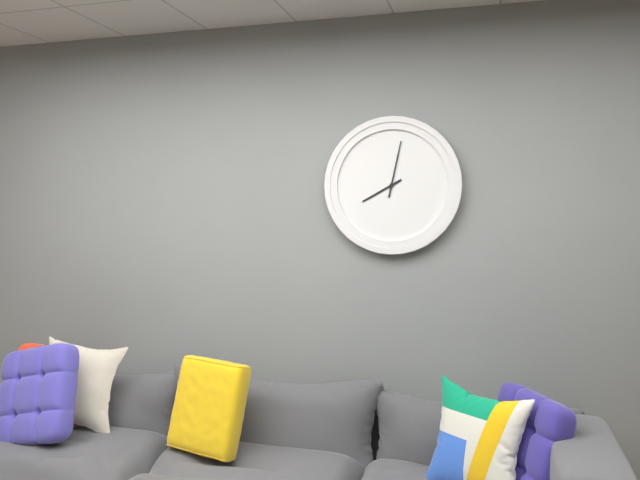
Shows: 8:02
